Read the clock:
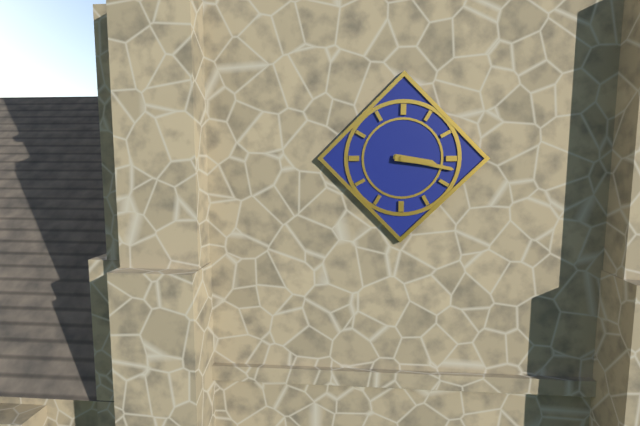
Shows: 3:17
